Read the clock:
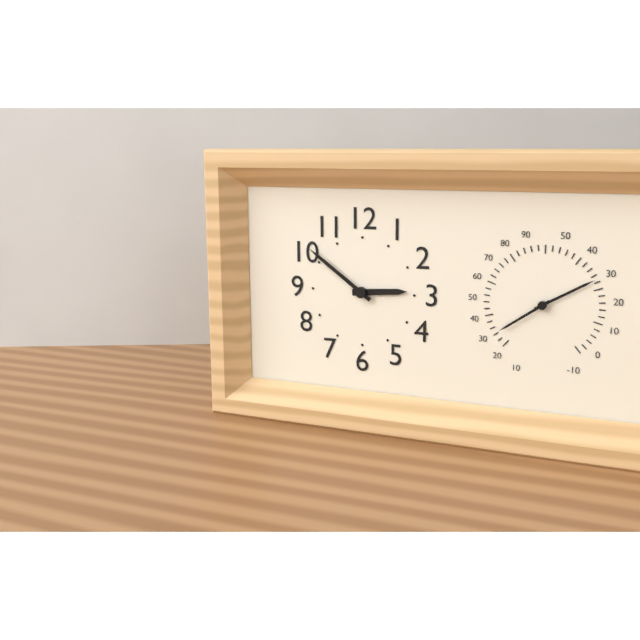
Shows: 2:51
